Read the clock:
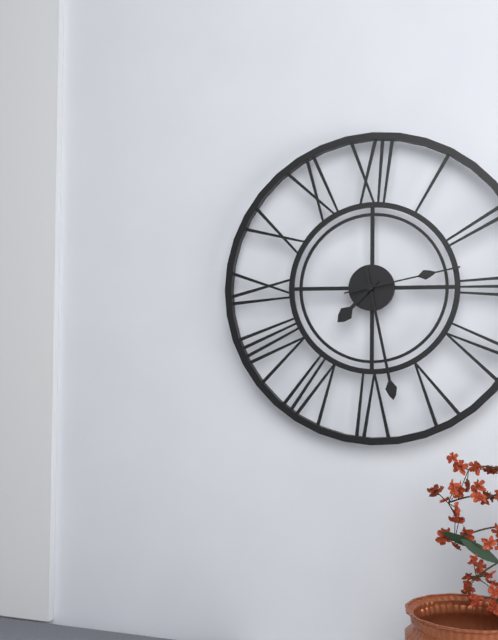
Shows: 7:28:13
